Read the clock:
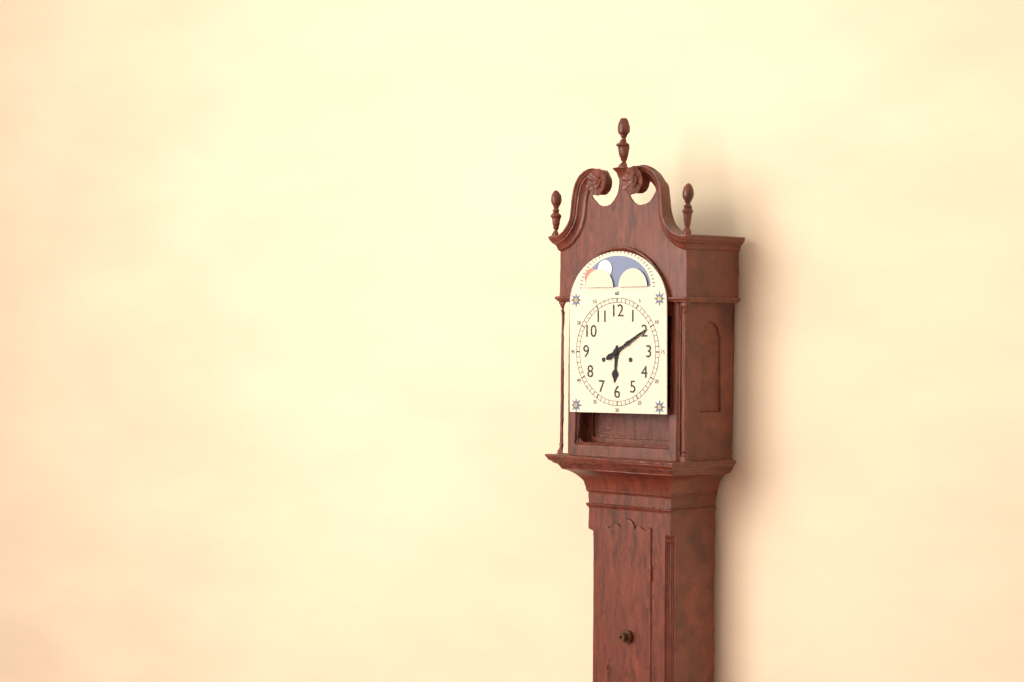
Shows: 6:10
